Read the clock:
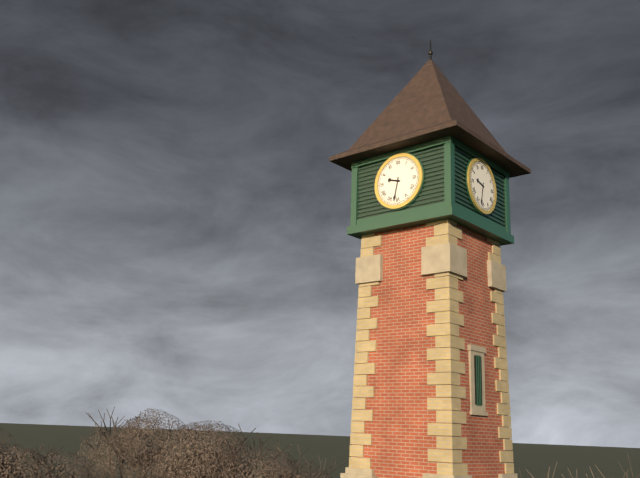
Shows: 9:32
